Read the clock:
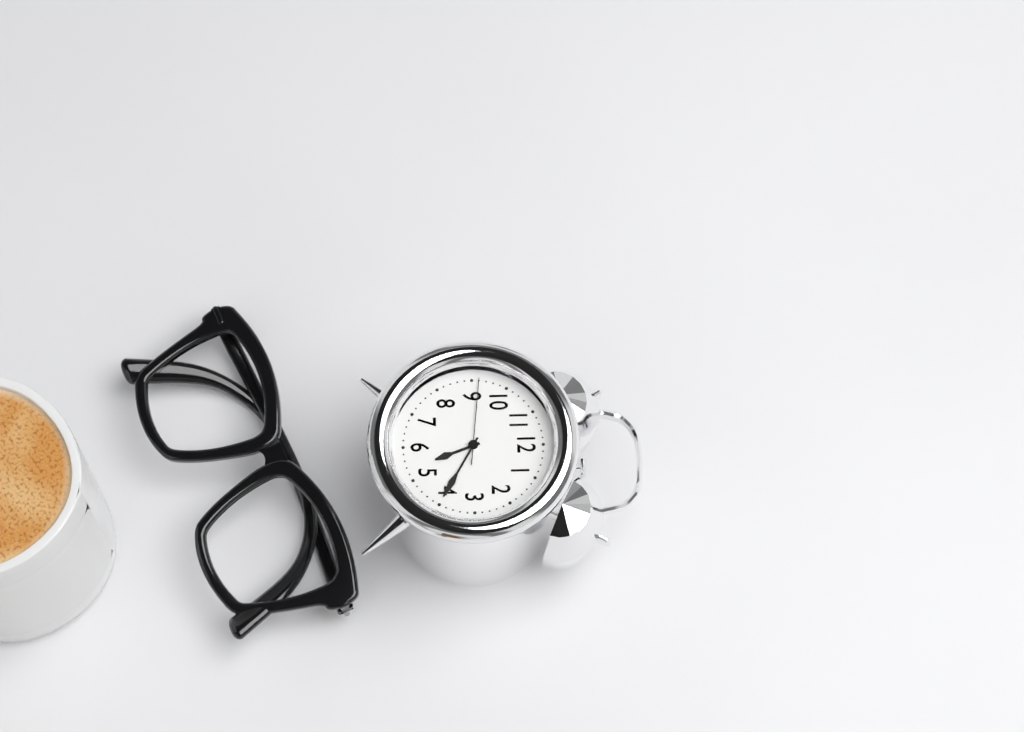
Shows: 5:20:46
